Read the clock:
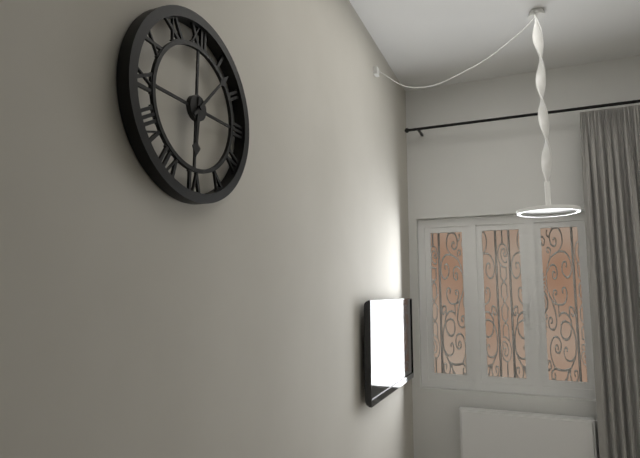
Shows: 6:07
